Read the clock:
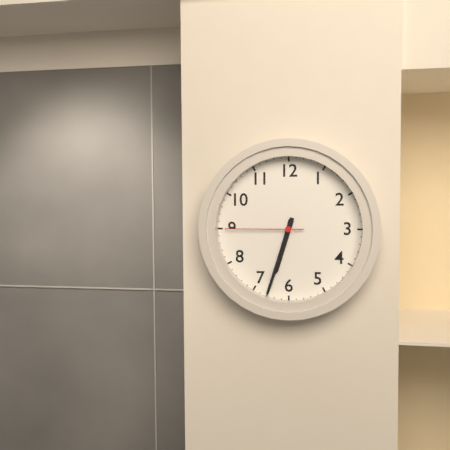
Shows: 6:33:45
